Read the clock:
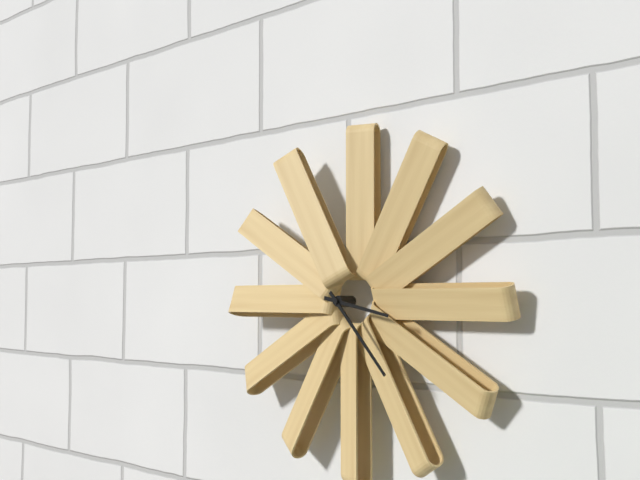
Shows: 3:23
